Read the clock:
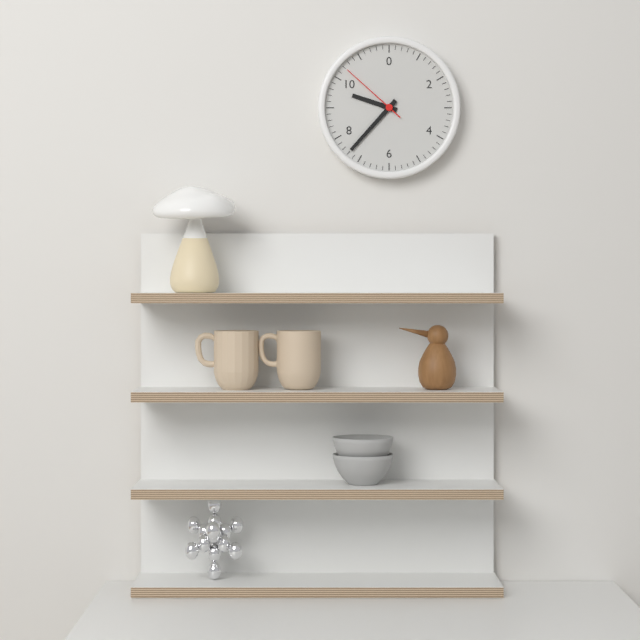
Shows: 9:37:52
